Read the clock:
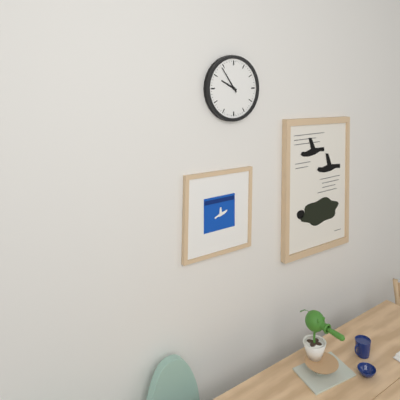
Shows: 9:54
